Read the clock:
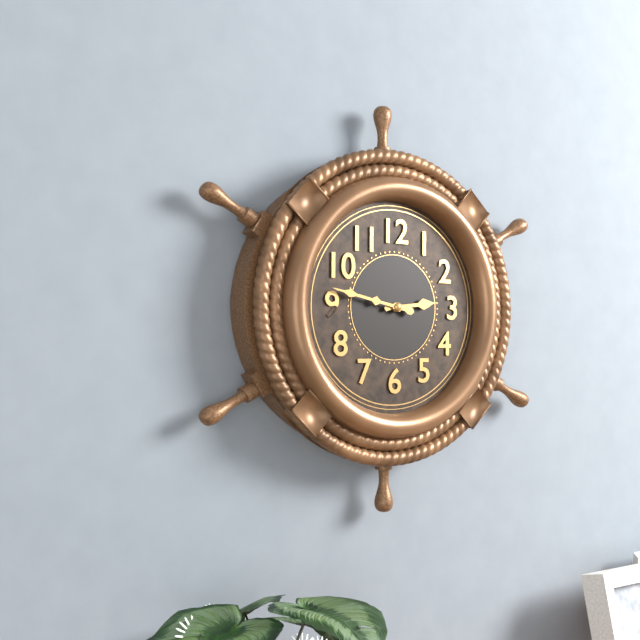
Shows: 2:47
